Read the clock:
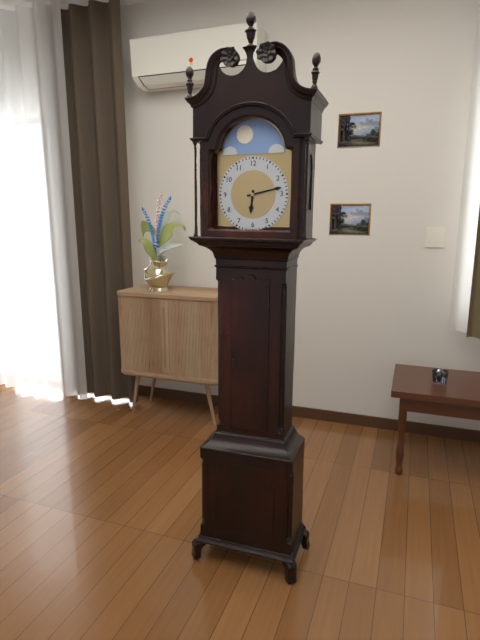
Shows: 6:13
